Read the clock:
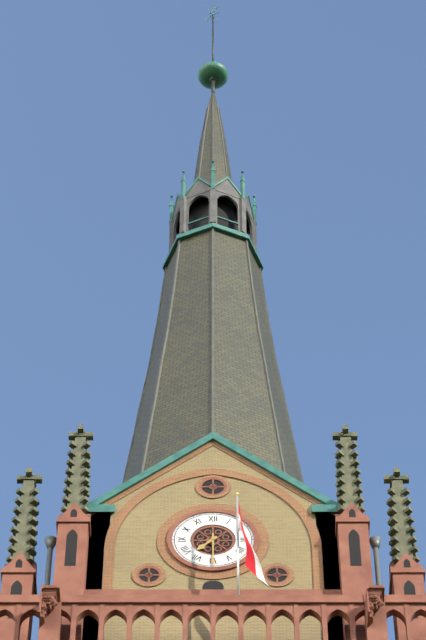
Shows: 7:30
